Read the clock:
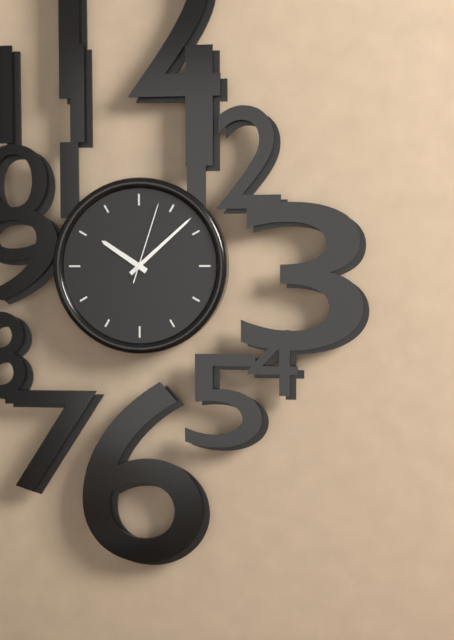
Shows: 10:08:03
